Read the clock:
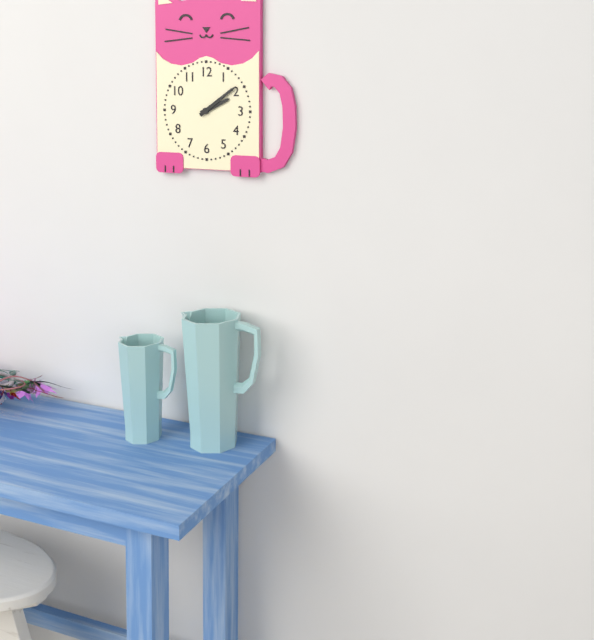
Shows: 2:09
